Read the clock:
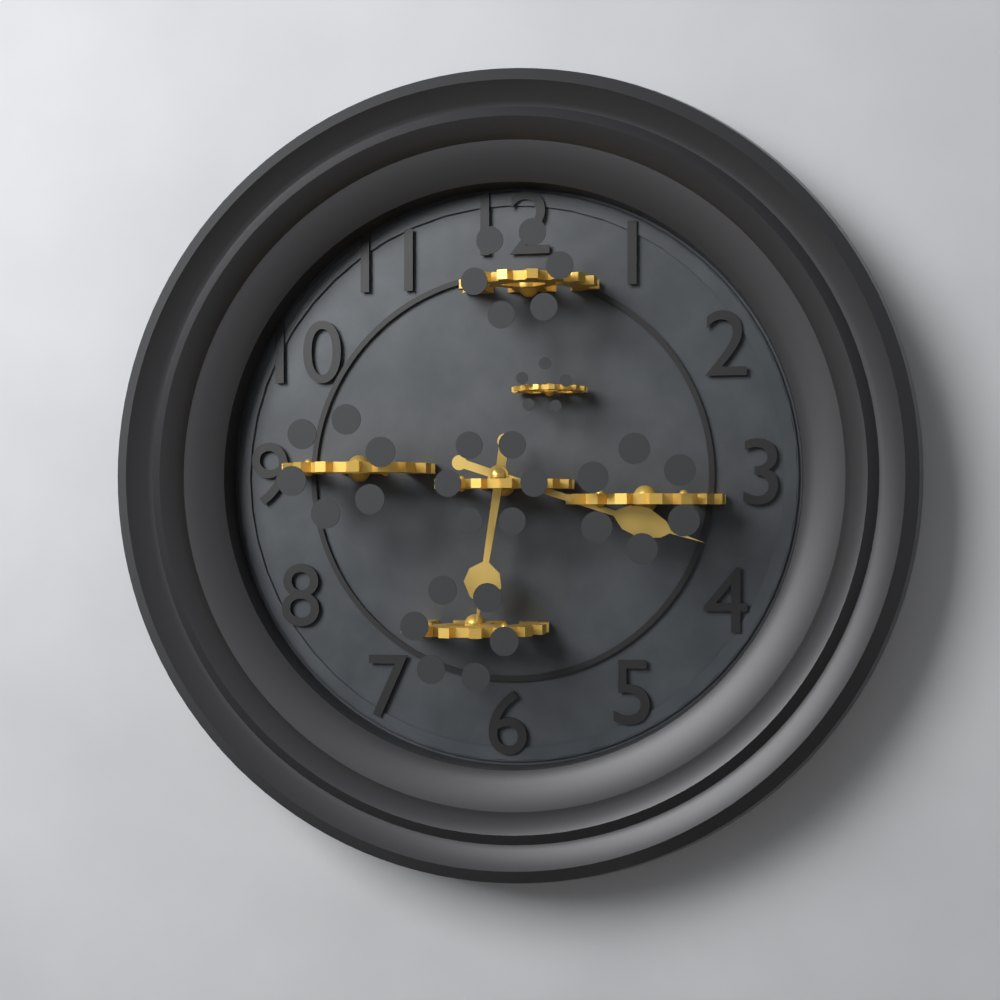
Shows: 6:18
